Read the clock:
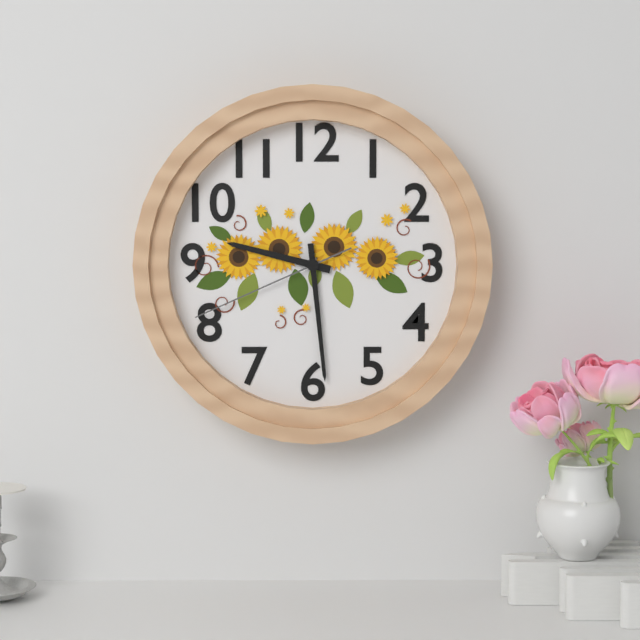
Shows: 9:29:41
